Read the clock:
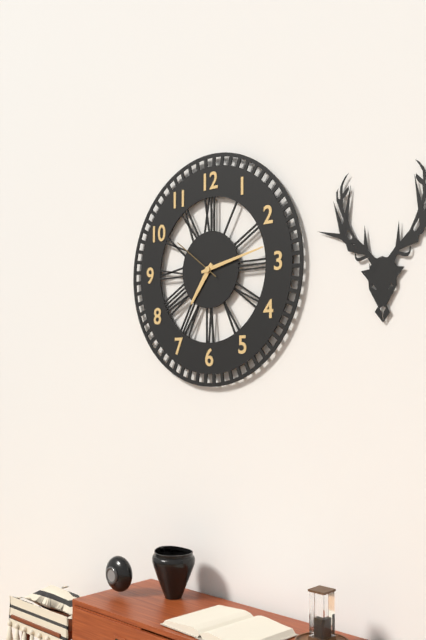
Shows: 7:13:51
